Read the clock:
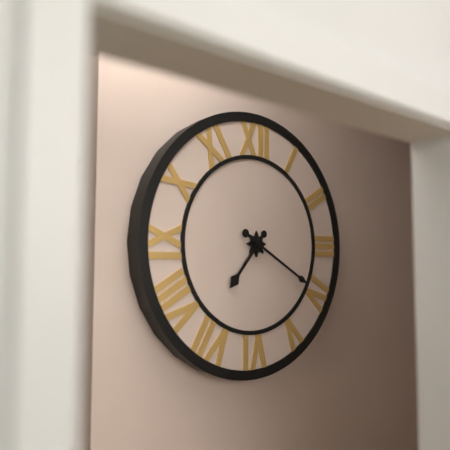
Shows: 7:20
